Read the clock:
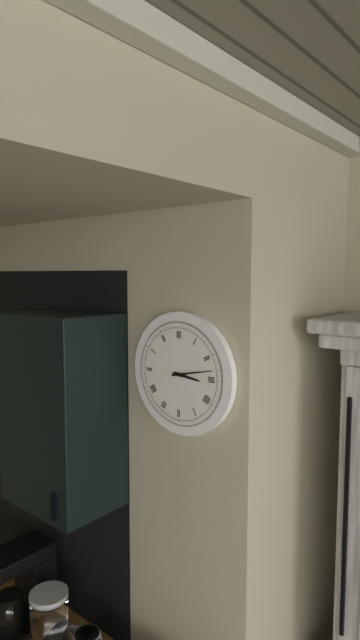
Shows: 3:13
